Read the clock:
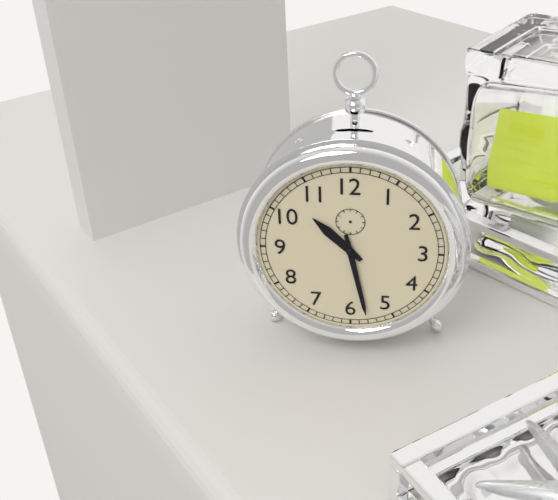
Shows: 10:28
